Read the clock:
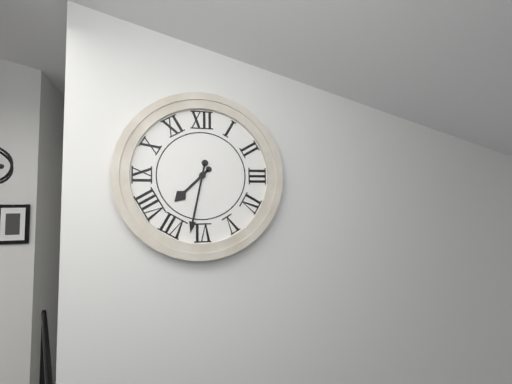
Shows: 7:32
